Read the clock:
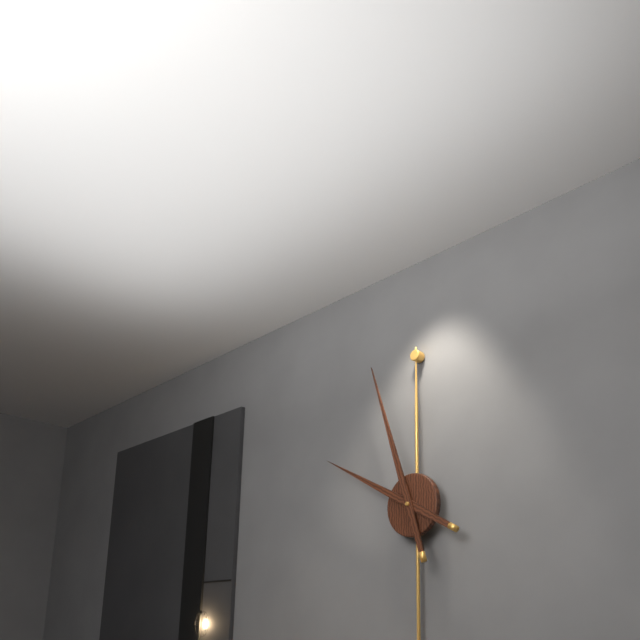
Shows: 9:57
